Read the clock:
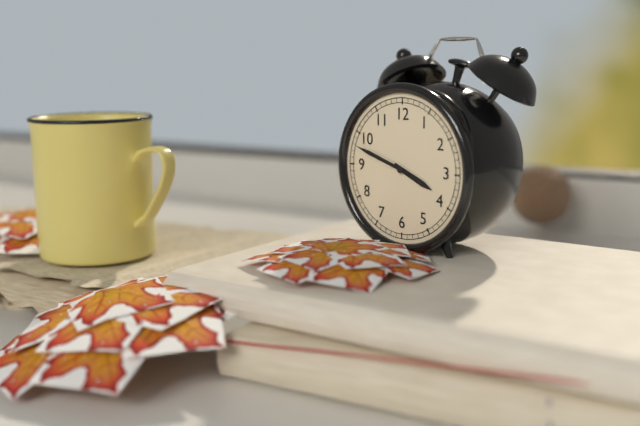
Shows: 3:48
